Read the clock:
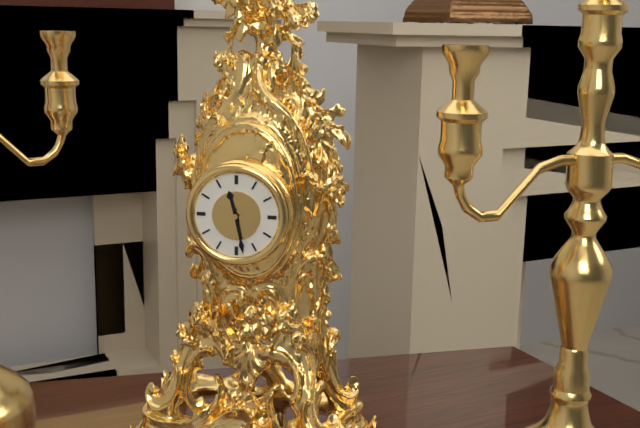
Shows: 11:28
